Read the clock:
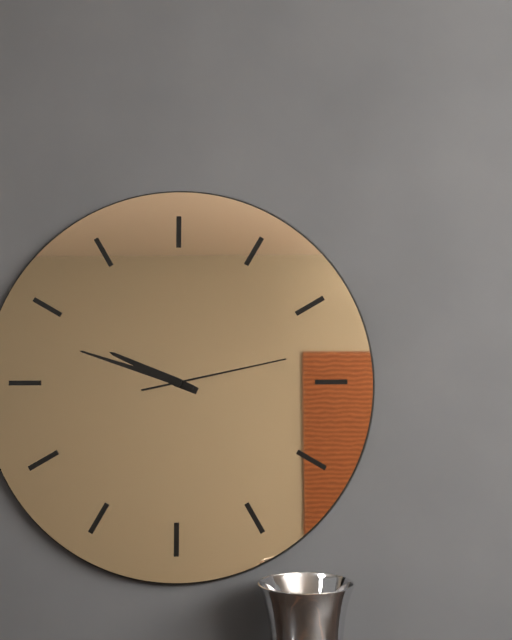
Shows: 9:48:13
